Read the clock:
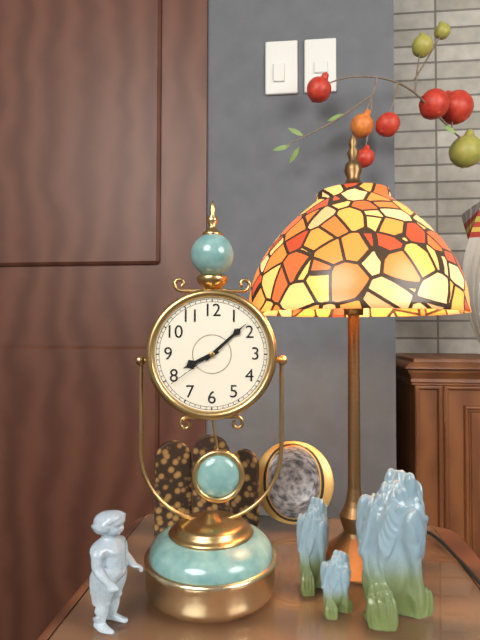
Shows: 8:08:39
